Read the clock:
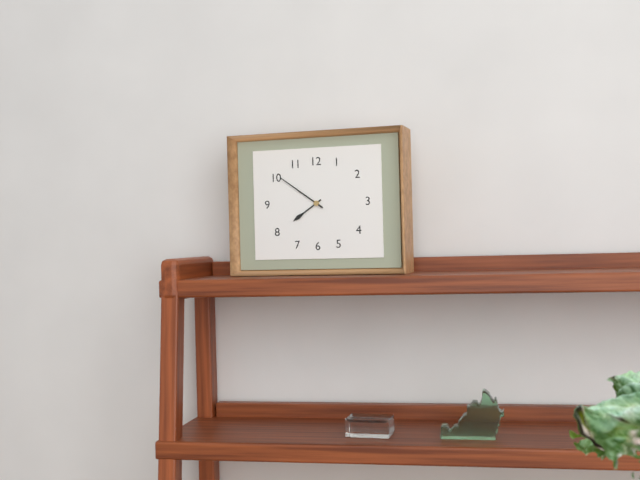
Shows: 7:51
